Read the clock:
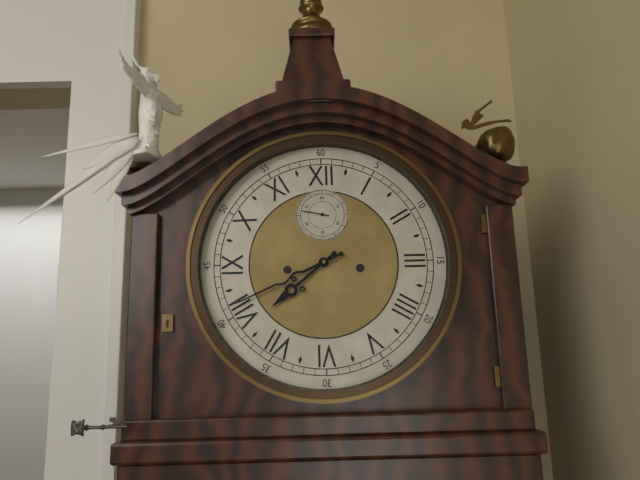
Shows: 7:41
